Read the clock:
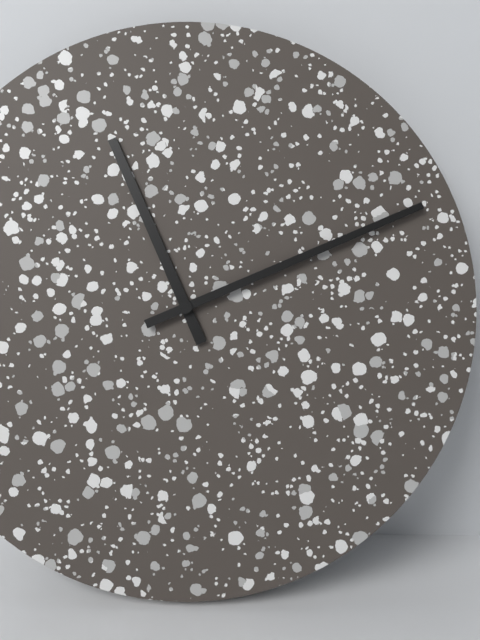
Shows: 11:11
